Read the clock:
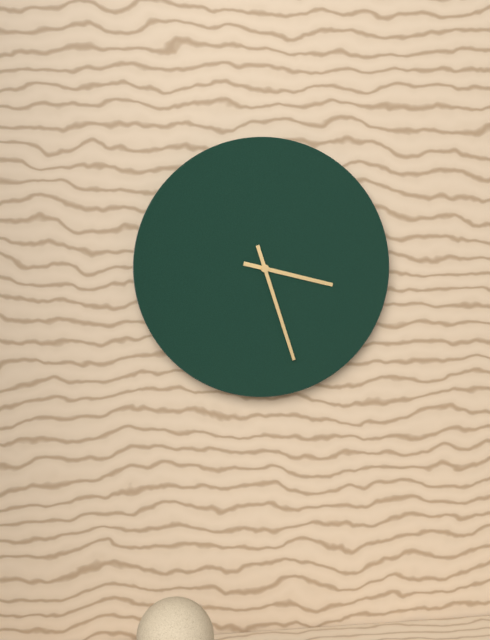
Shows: 3:27
